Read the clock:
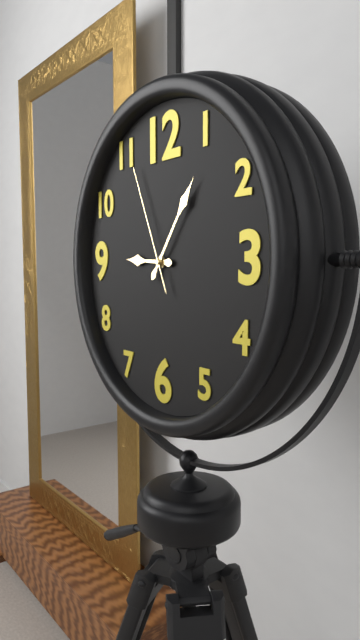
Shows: 9:06:56
